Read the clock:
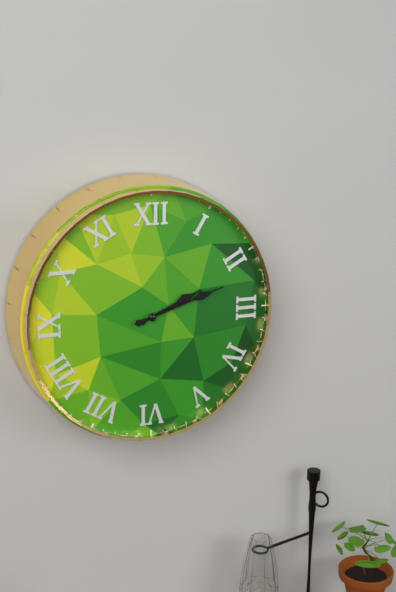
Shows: 2:12
